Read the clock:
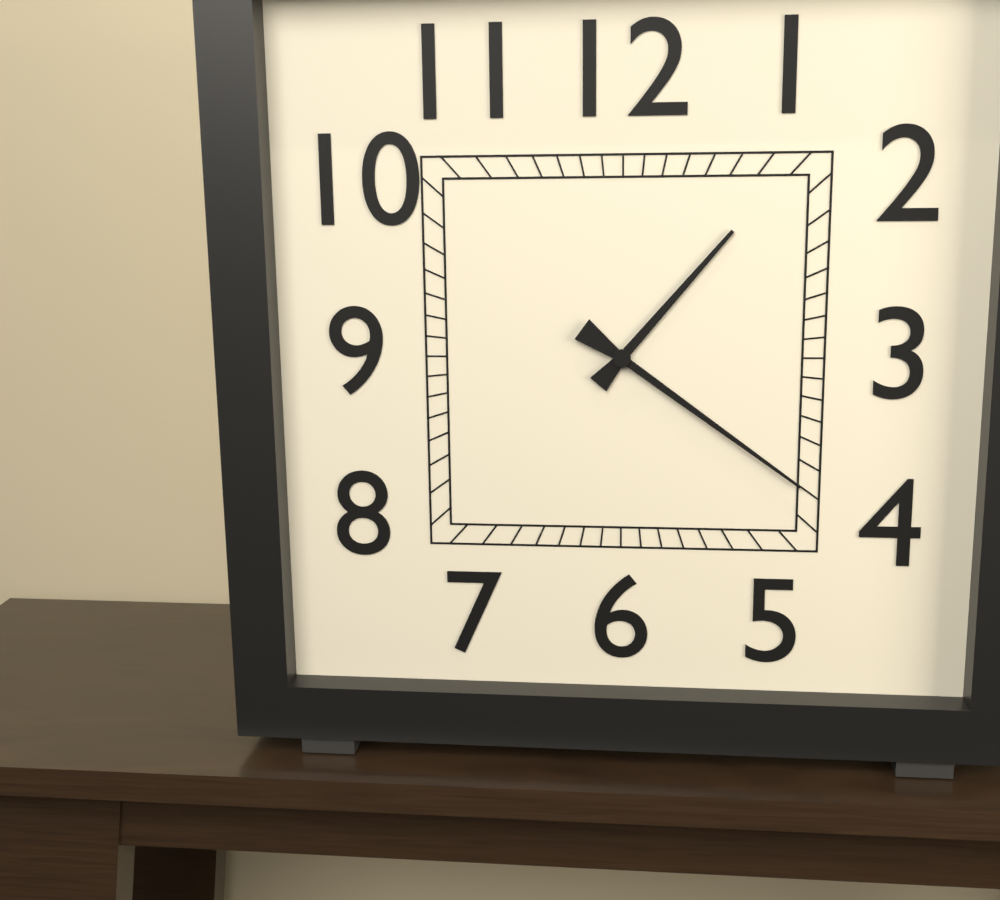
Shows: 1:21
